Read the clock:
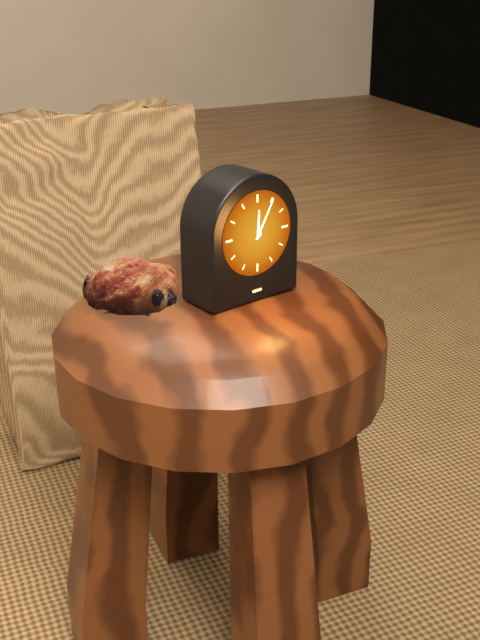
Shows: 12:05
